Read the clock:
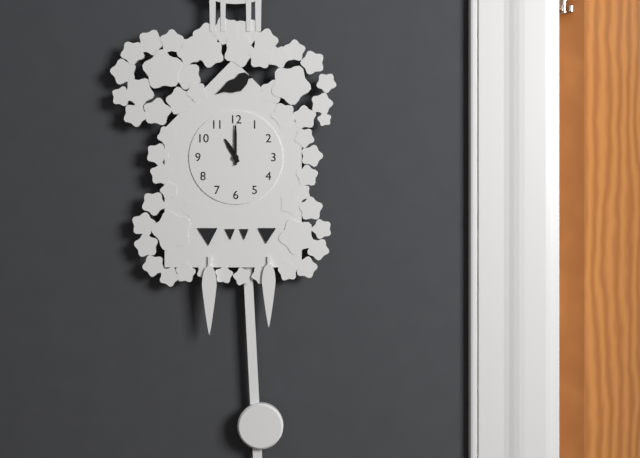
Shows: 11:00
